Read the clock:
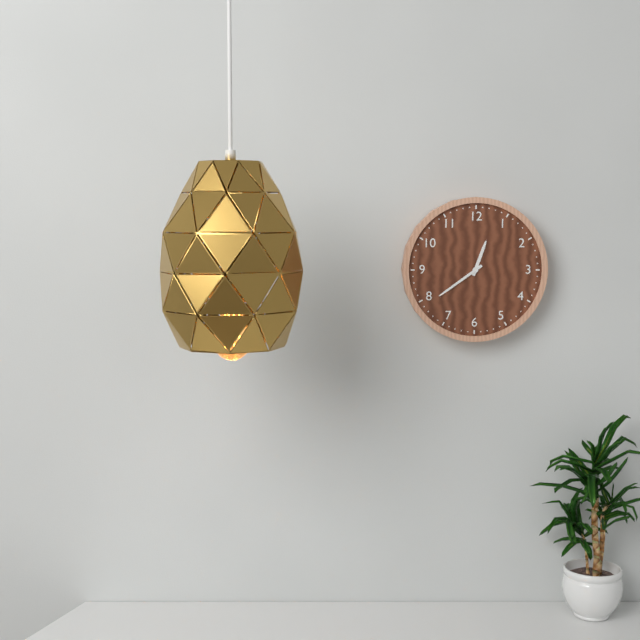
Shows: 12:39
